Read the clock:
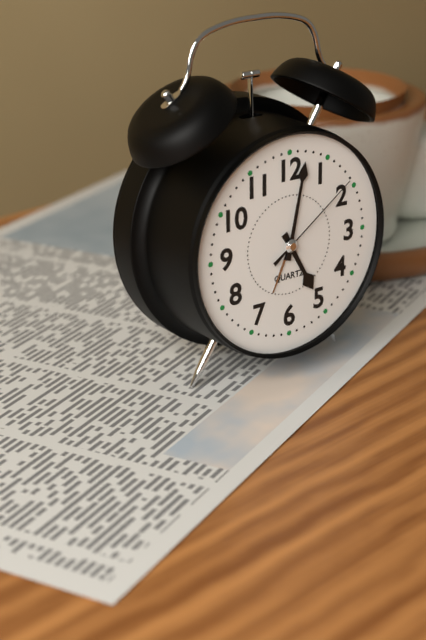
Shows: 5:02:09
